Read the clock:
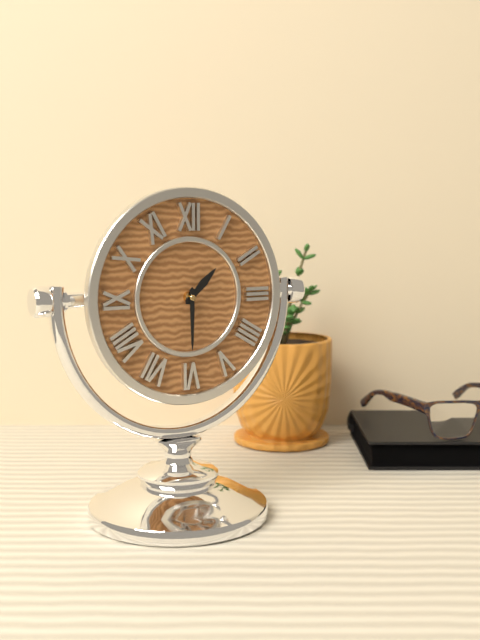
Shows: 1:30
